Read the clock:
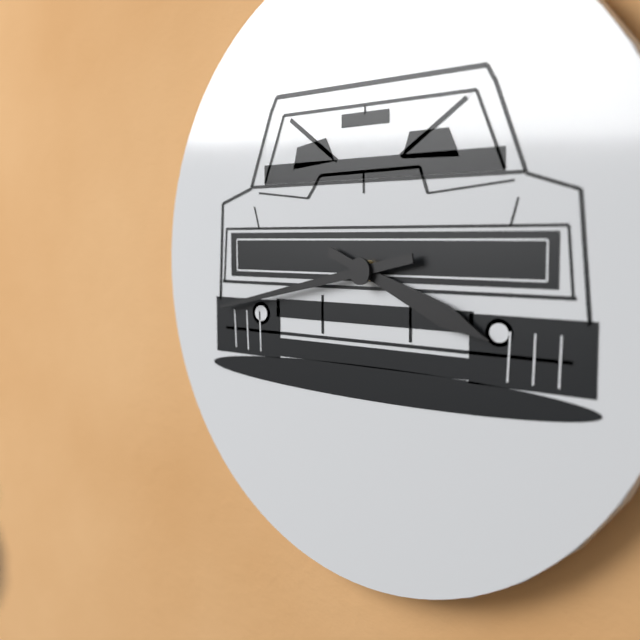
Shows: 3:43
